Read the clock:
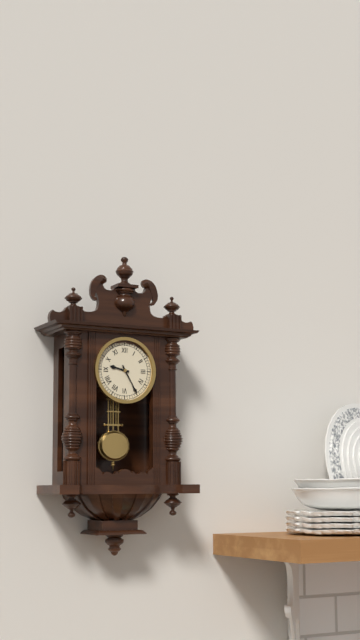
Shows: 9:25
